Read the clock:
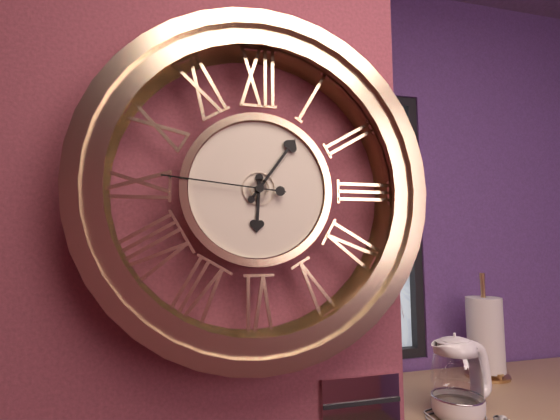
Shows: 6:06:46
